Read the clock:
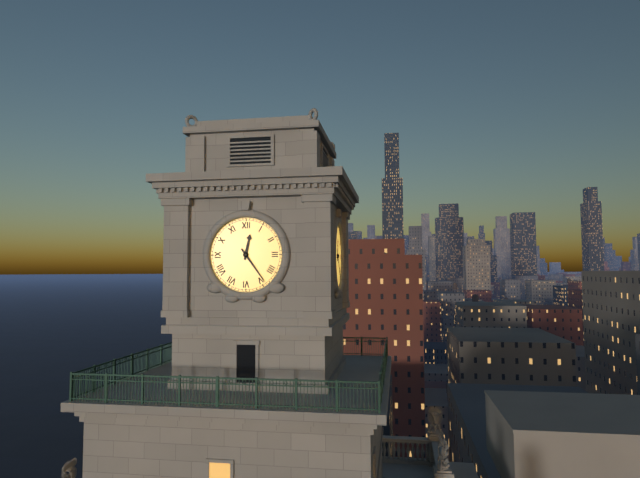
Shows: 12:24
